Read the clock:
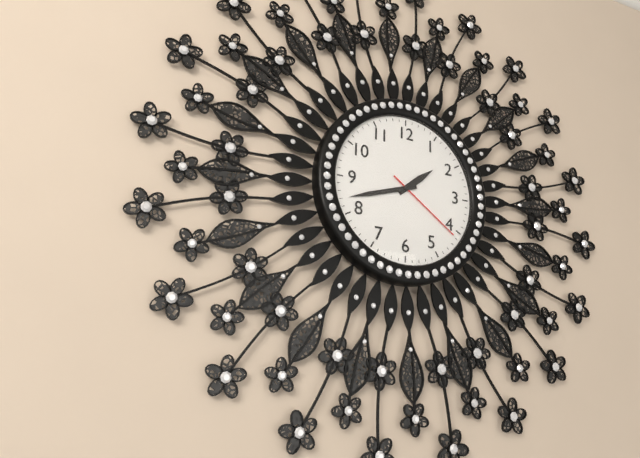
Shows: 1:42:21
